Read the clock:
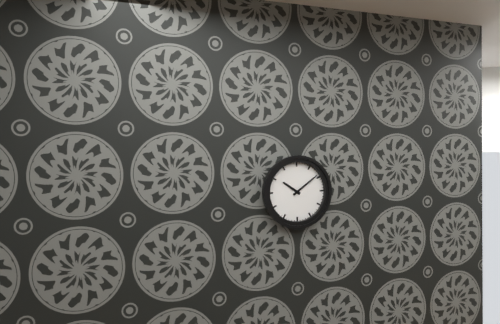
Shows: 10:09
